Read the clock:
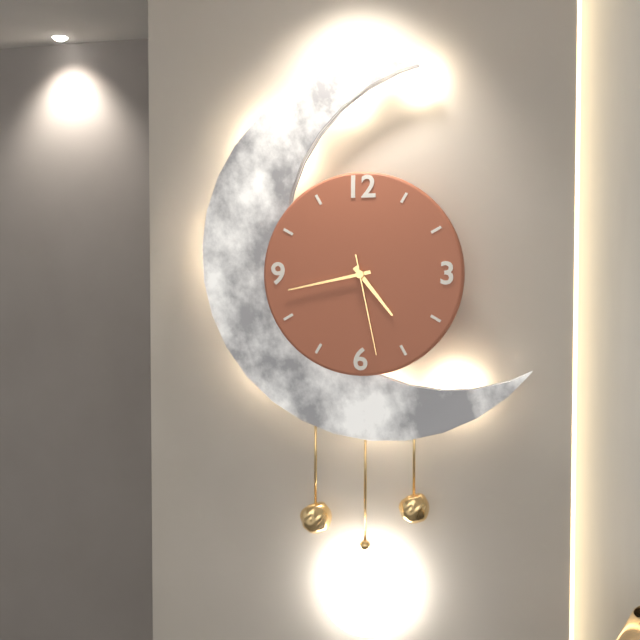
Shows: 4:43:28
